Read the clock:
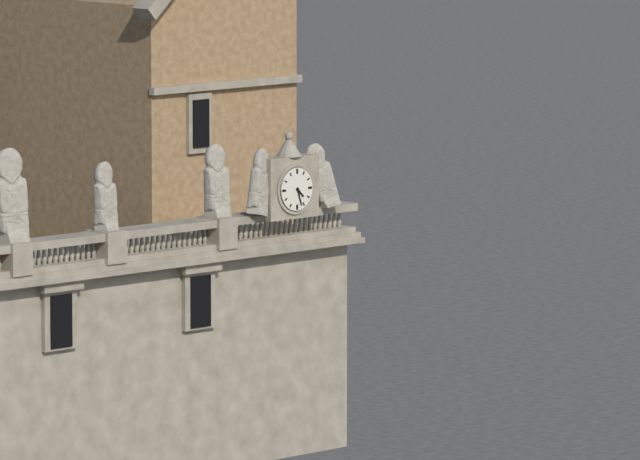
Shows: 4:27
